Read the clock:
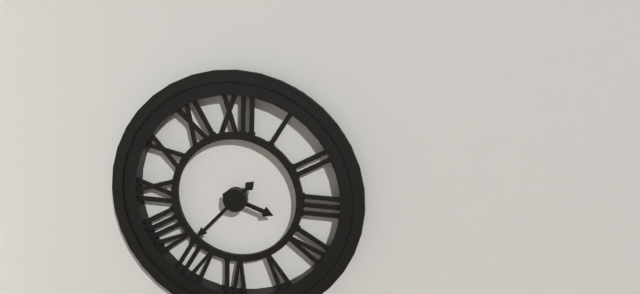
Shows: 3:37
